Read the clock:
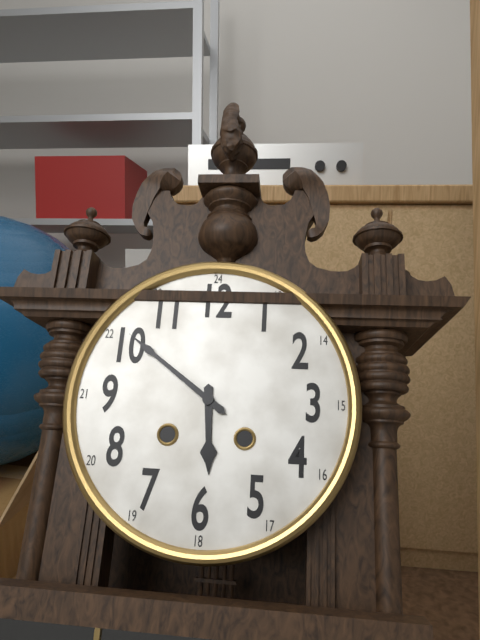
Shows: 5:51
